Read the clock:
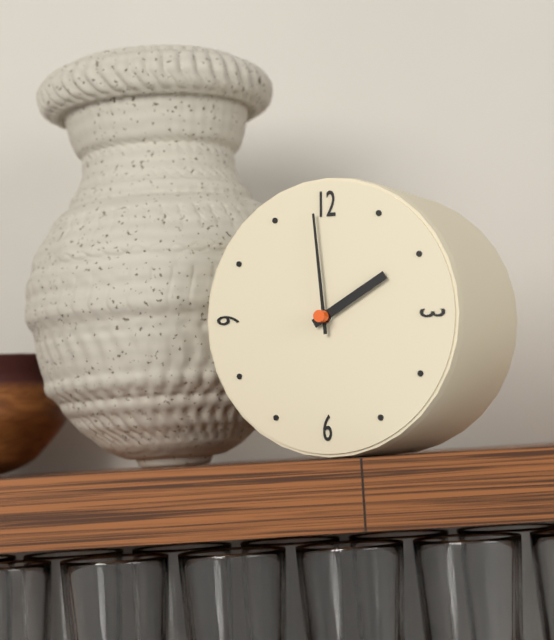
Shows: 1:59
